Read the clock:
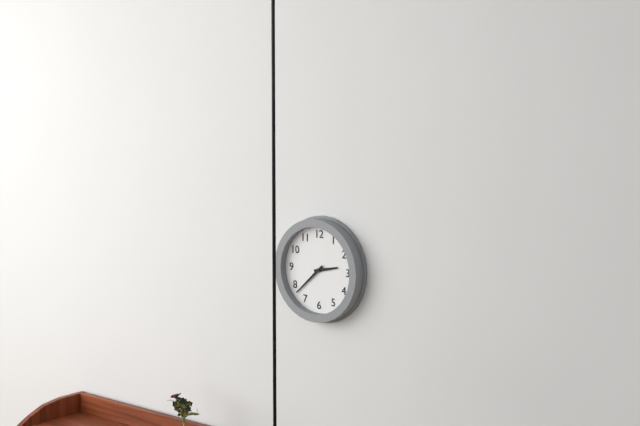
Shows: 2:38
